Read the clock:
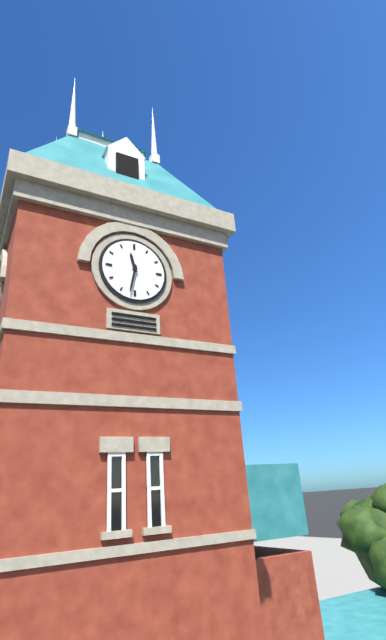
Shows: 11:32
